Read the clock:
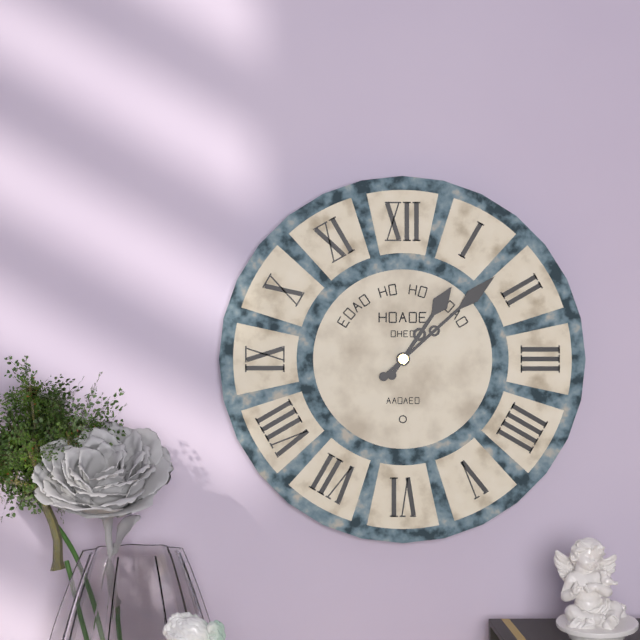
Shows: 1:08
